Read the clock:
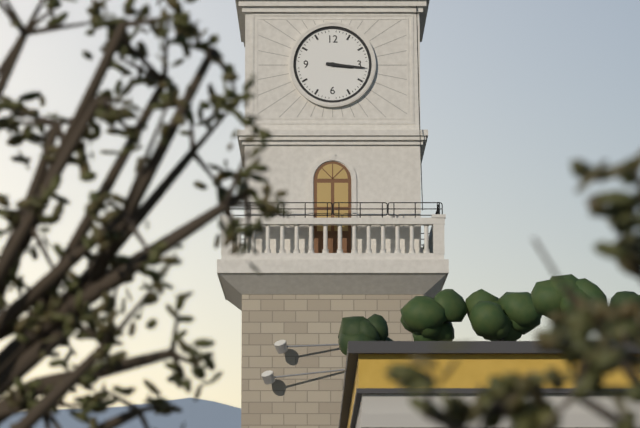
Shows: 3:16
